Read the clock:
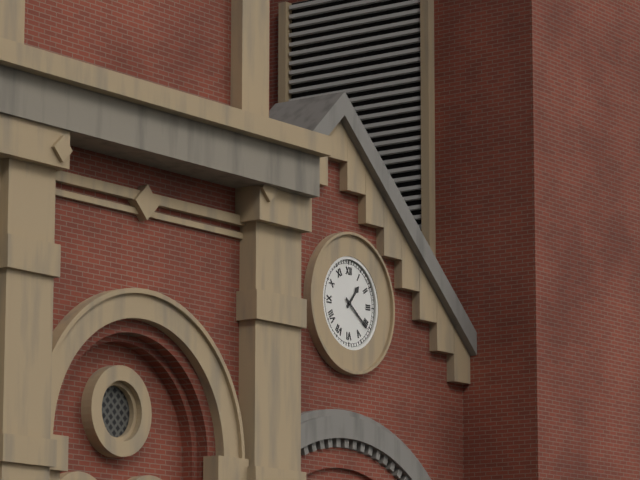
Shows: 1:21
